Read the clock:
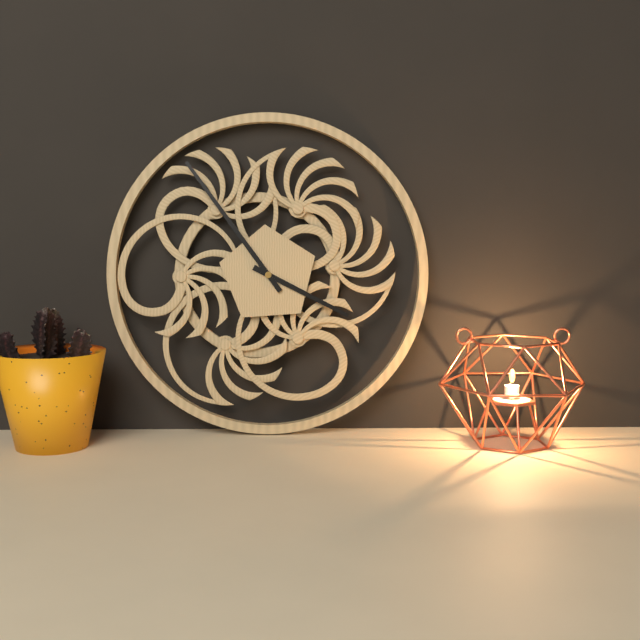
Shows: 3:54
